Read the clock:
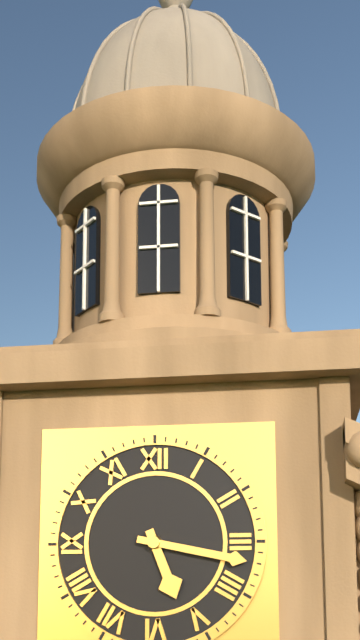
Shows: 5:17
